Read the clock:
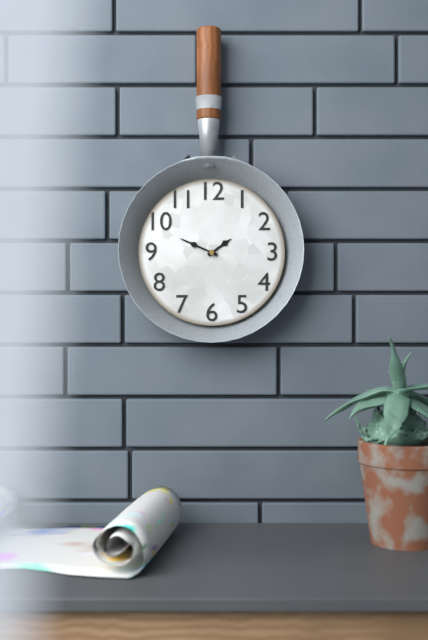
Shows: 1:49
